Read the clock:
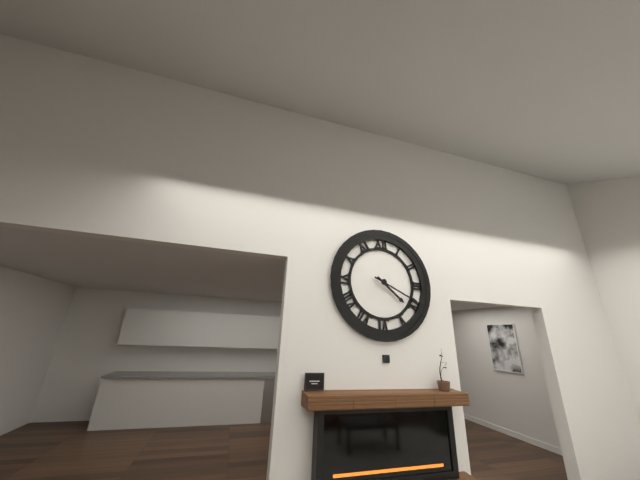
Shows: 4:19
